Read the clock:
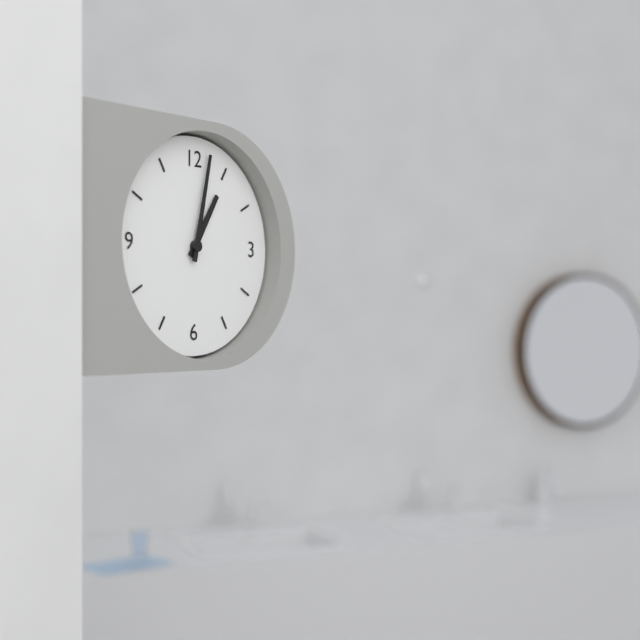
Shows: 1:02
